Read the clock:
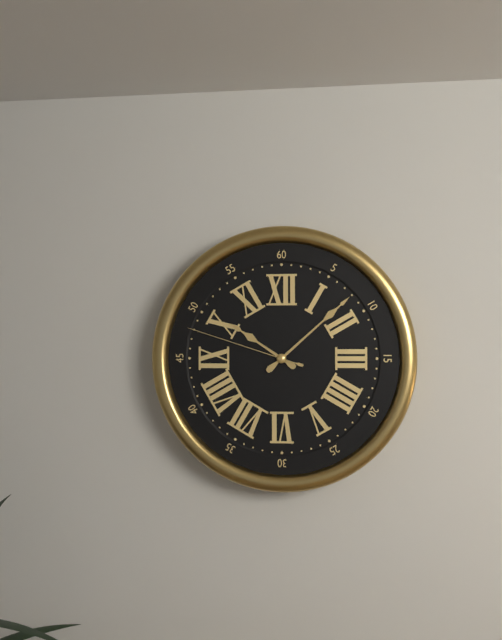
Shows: 10:08:48
